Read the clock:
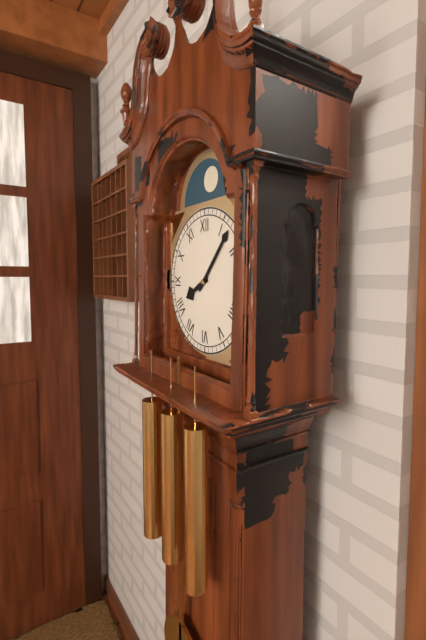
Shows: 8:07
